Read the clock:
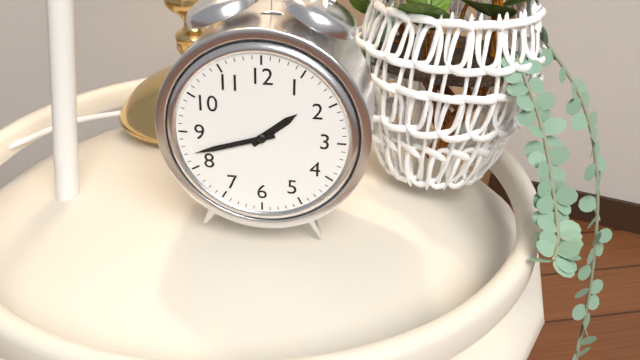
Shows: 1:42
